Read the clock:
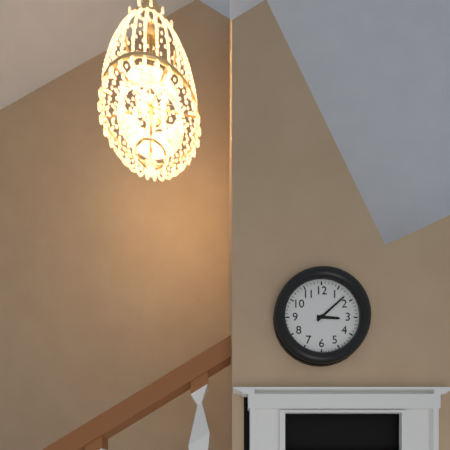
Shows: 3:08
